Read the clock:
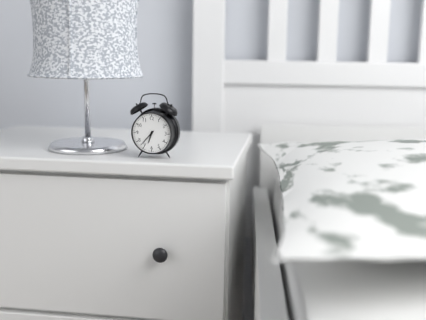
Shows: 6:37
